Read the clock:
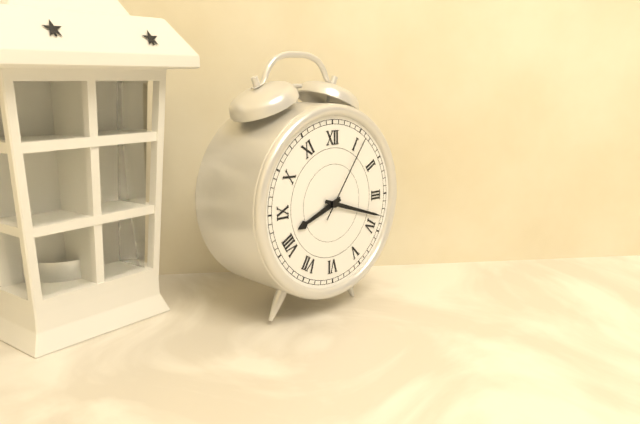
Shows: 8:18:06
